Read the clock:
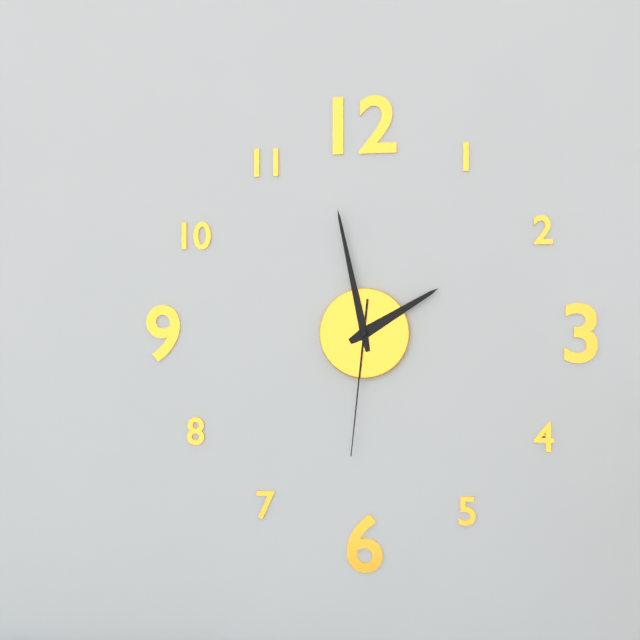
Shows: 1:58:31
